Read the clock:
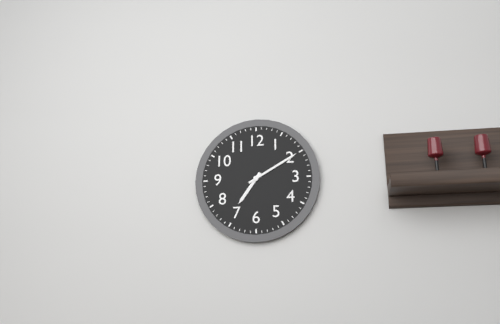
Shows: 7:10
